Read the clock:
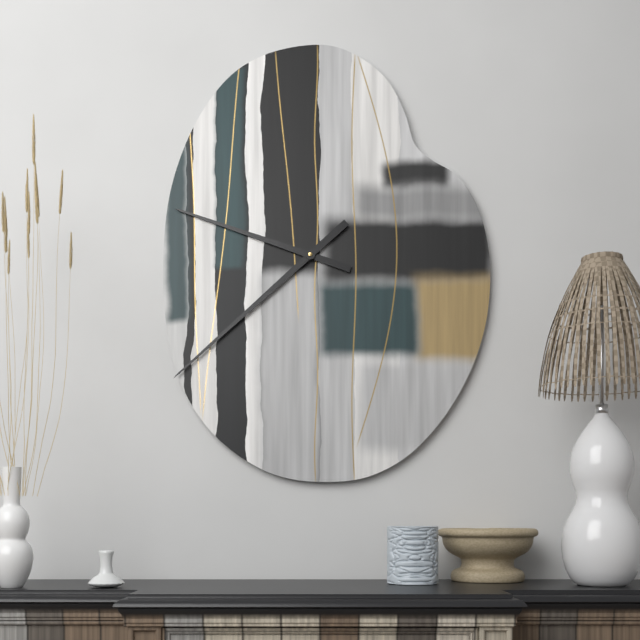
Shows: 9:38
